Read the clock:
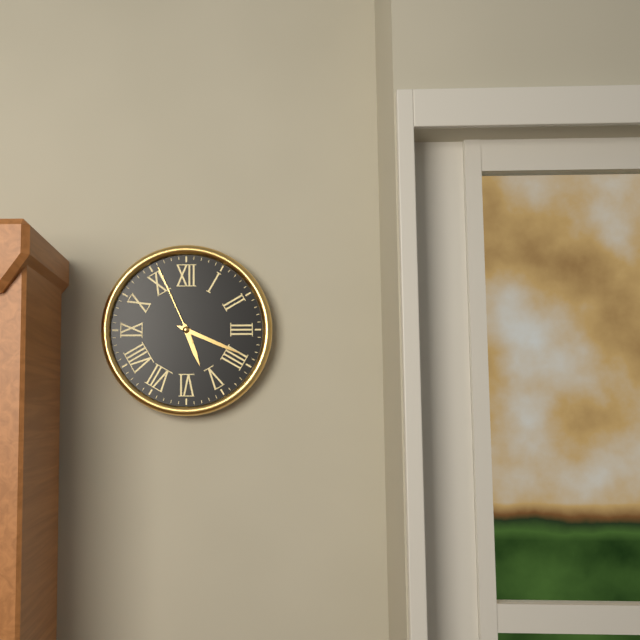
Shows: 5:19:56
